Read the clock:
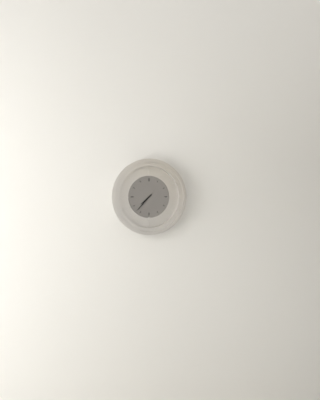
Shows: 7:37
